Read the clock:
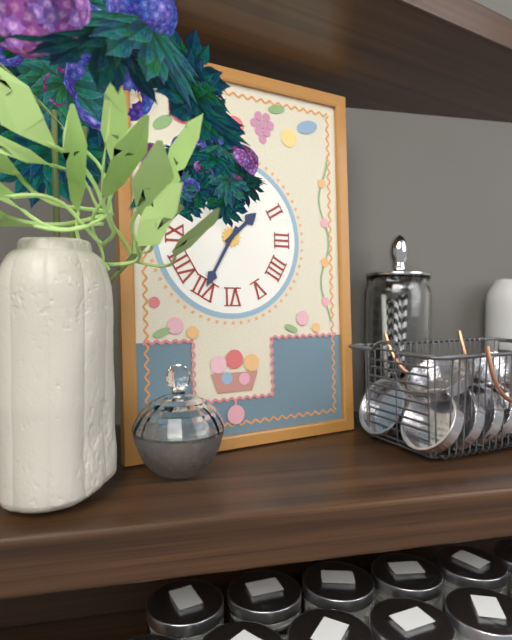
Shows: 1:35
